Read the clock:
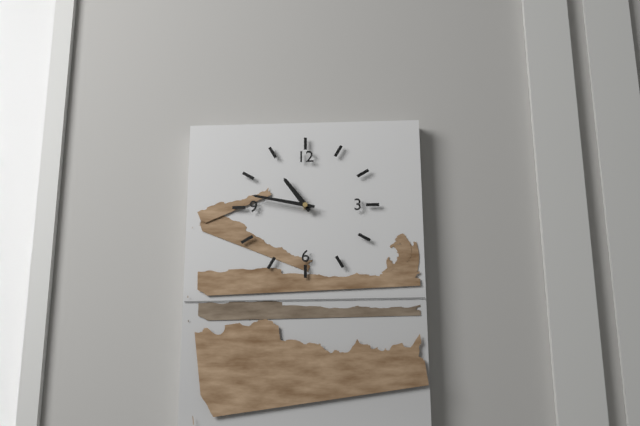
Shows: 10:47
